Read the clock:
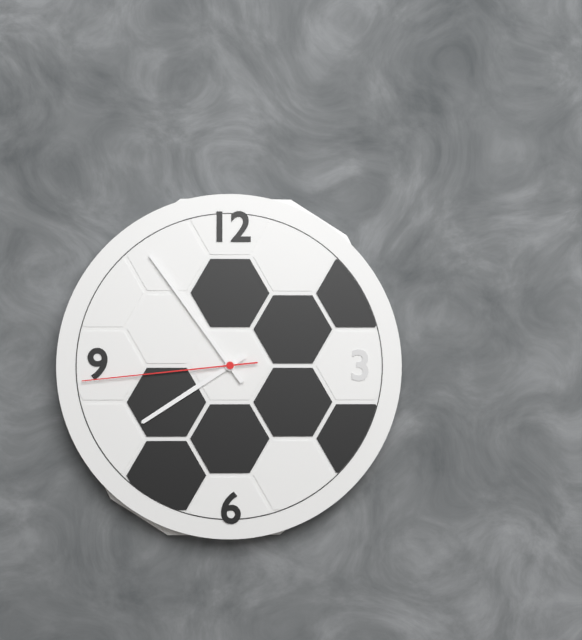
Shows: 7:54:44
